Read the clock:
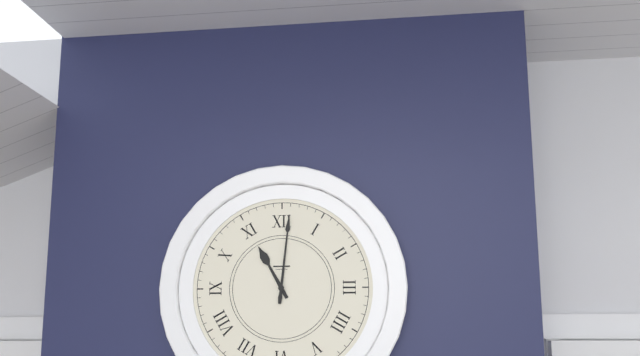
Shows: 11:01
